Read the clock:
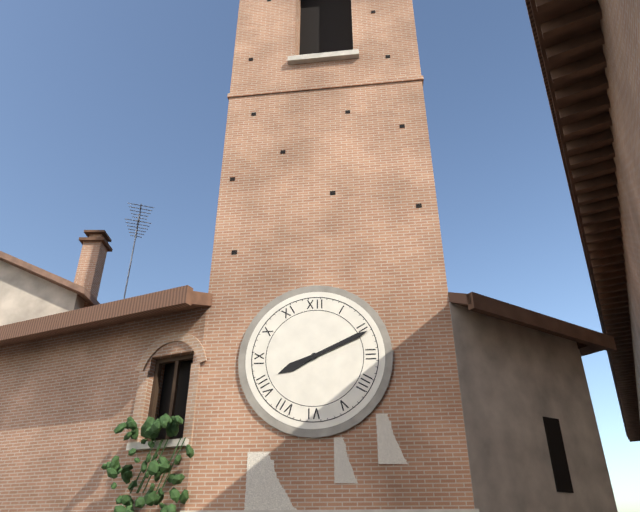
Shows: 8:11
